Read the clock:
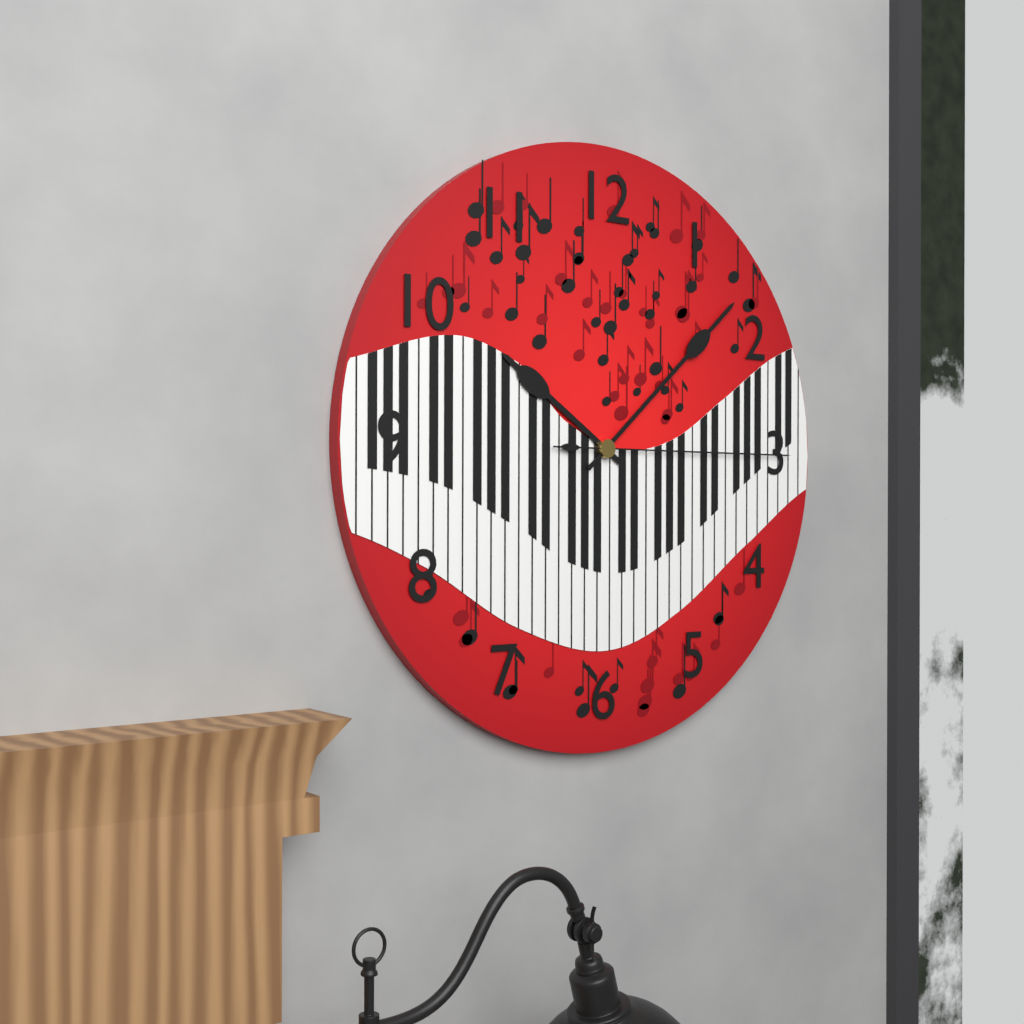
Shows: 10:08:15
